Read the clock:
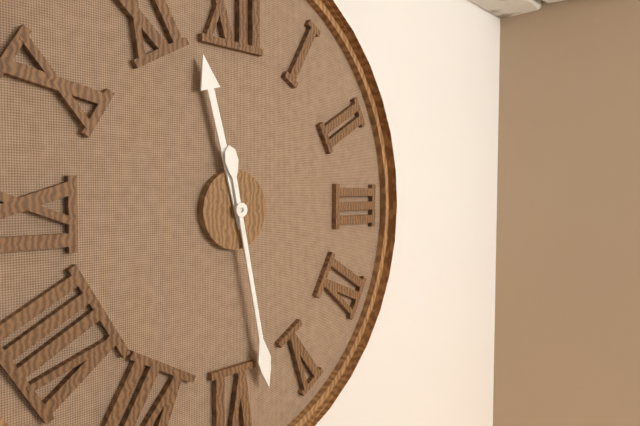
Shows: 11:28
